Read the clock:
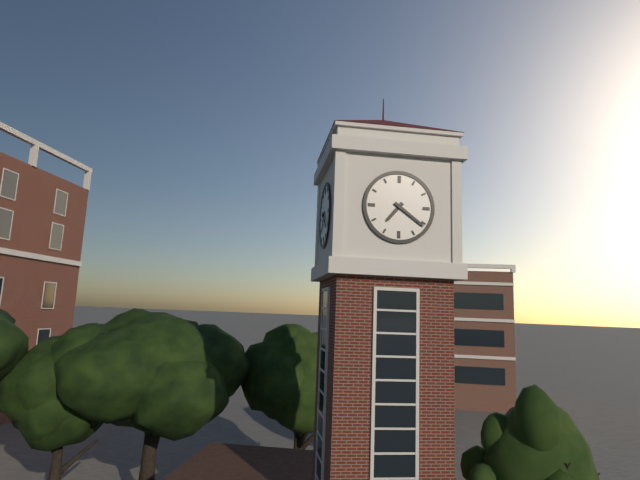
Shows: 7:21
